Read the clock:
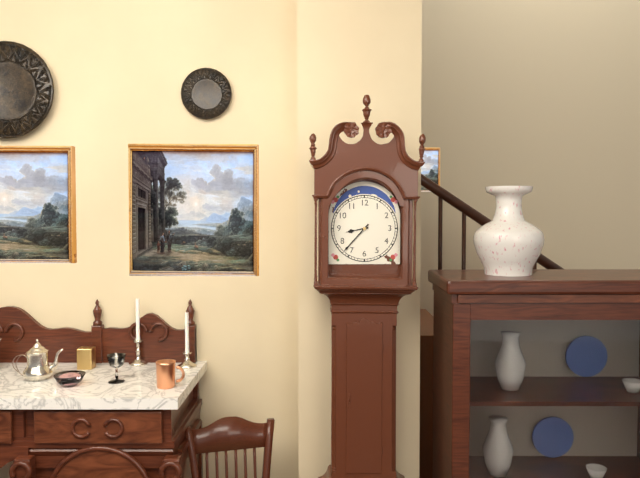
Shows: 8:37
